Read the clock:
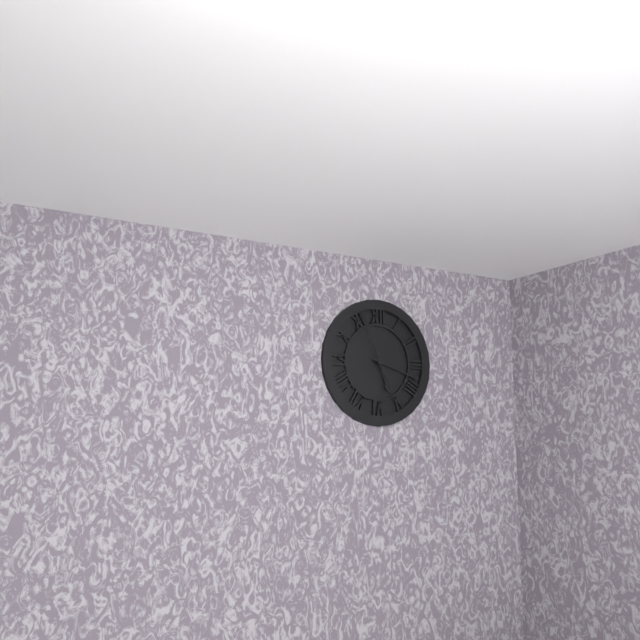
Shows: 5:18:56
